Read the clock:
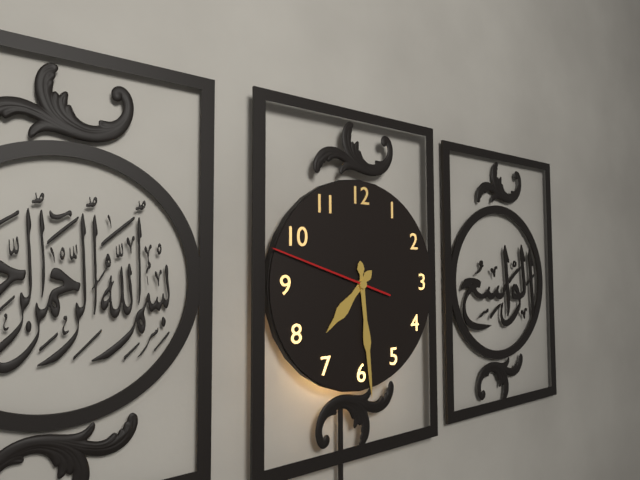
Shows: 7:29:48
